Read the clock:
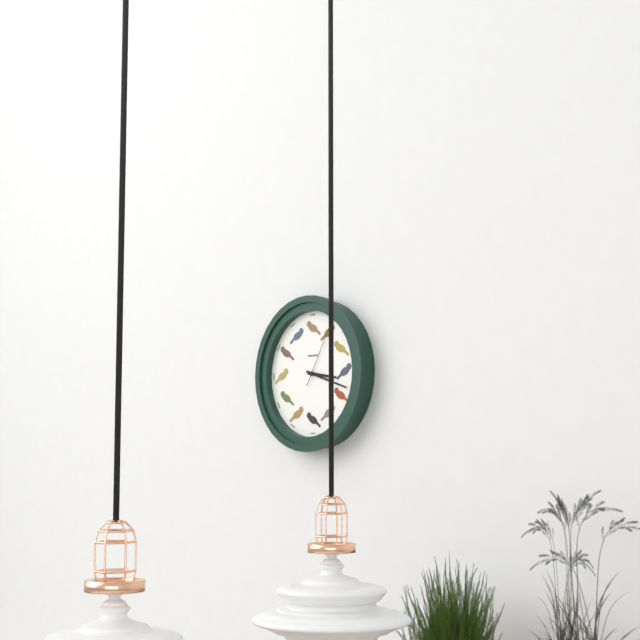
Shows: 3:18:05
